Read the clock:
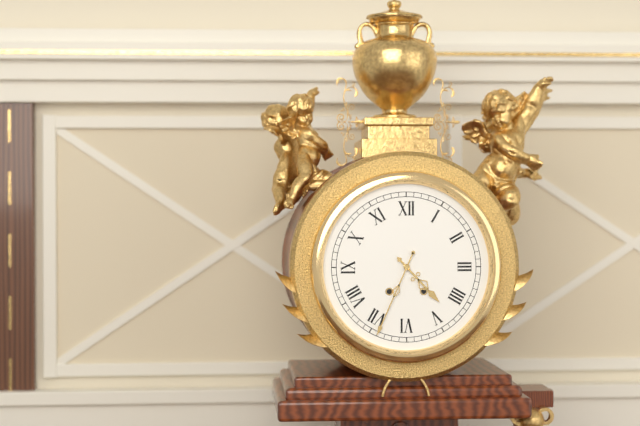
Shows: 4:34
